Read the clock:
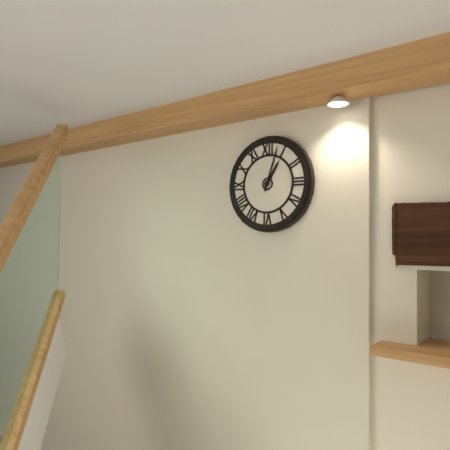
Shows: 1:03
